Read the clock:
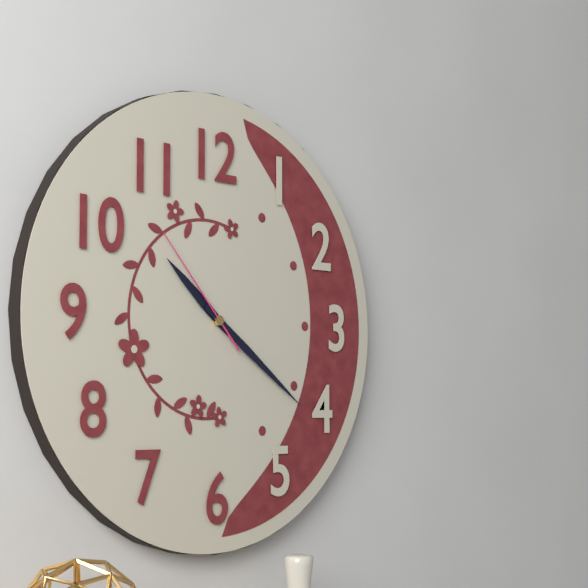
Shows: 10:21:53
